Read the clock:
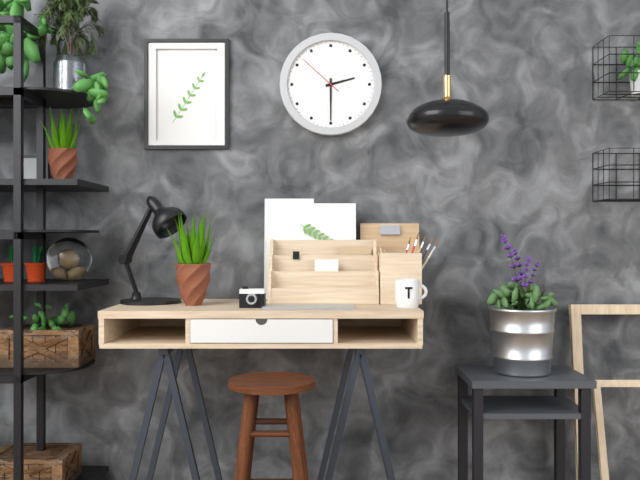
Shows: 2:30
